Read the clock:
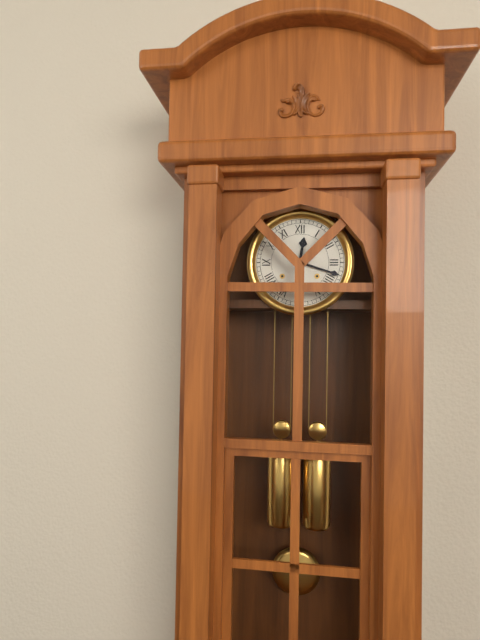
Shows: 12:18
